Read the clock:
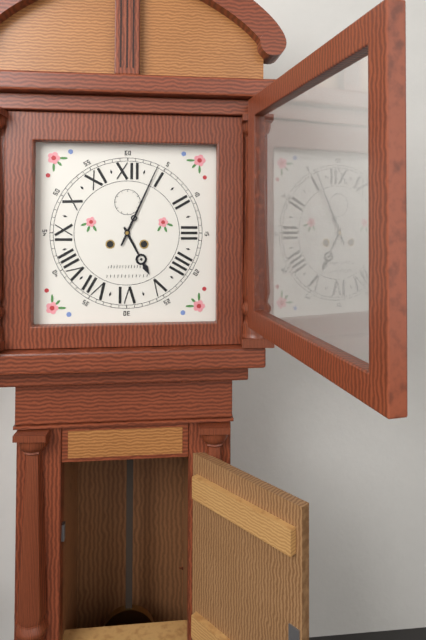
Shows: 5:04
